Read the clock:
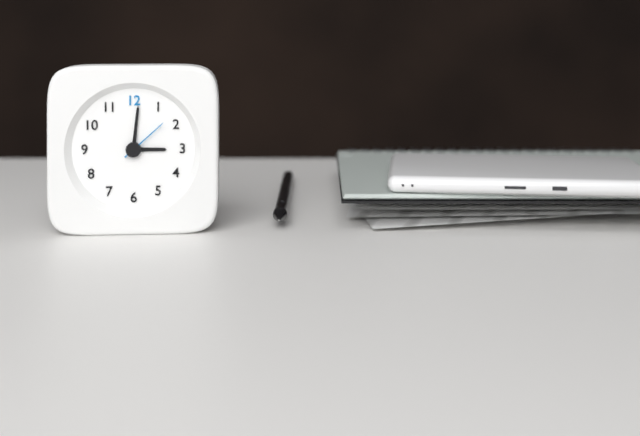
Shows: 3:01:08
